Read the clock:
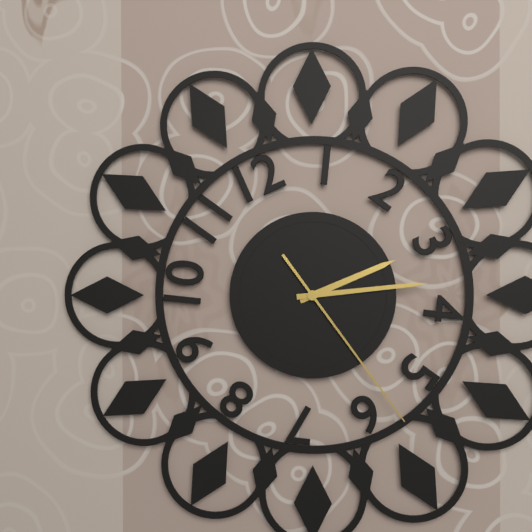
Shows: 2:14:24
